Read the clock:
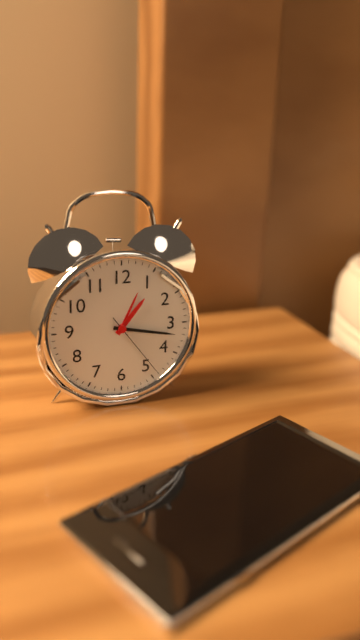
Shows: 1:17:24
